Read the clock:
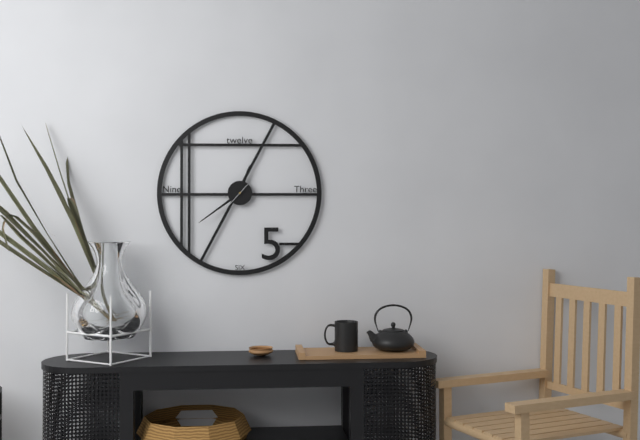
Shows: 12:39
